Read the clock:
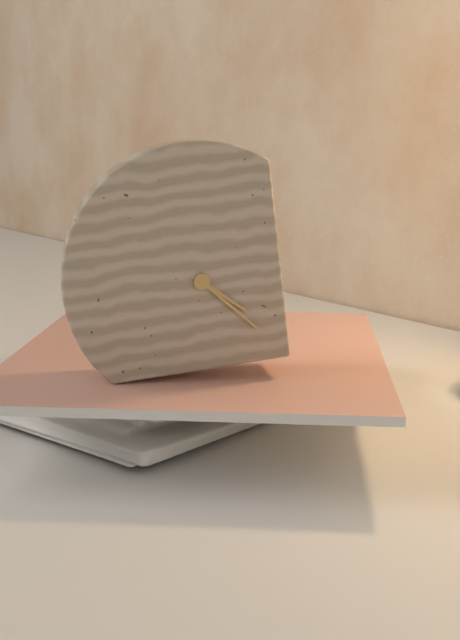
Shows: 4:23
